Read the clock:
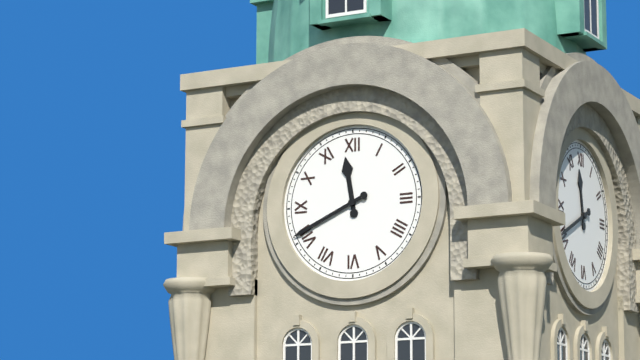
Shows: 11:41
